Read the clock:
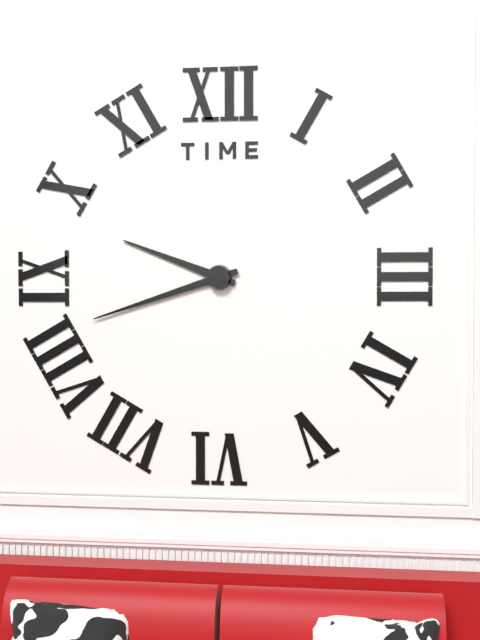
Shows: 9:42
